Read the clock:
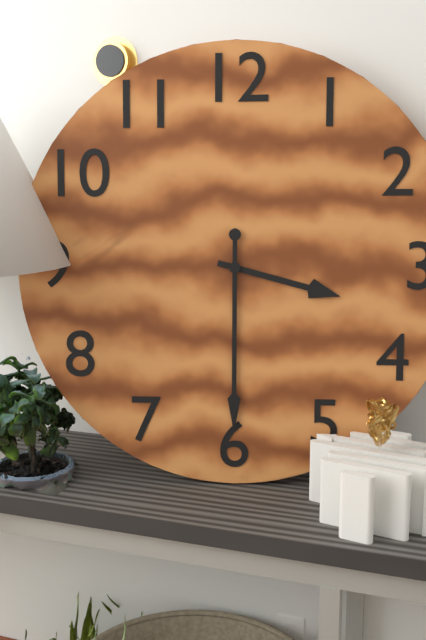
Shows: 3:30
